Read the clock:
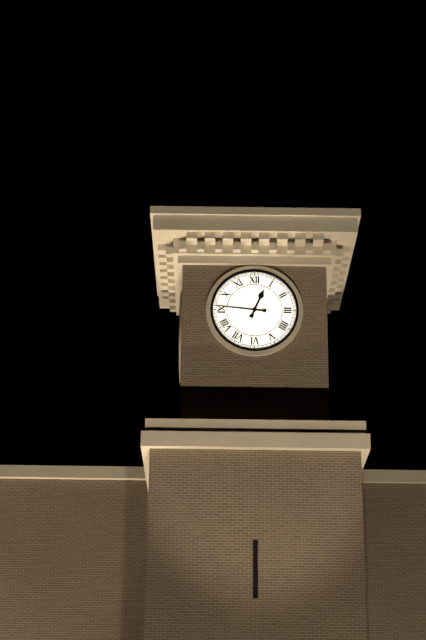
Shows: 12:46
